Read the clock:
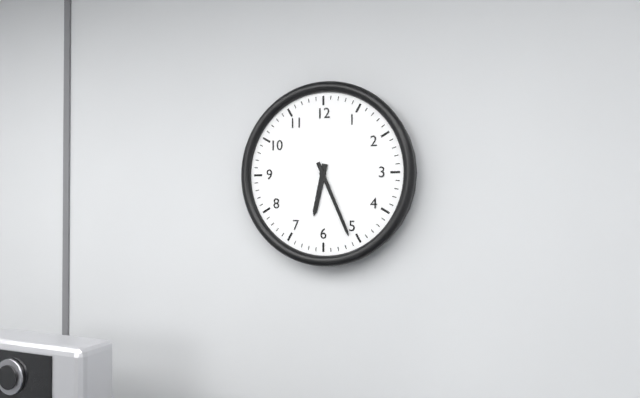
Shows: 6:26
